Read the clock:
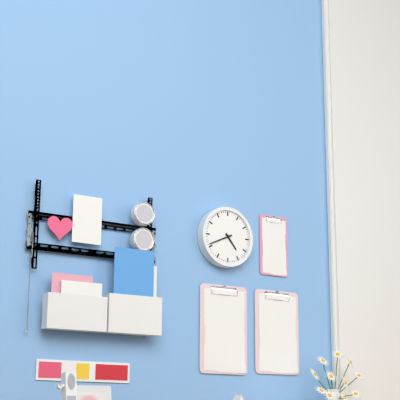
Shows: 4:41
